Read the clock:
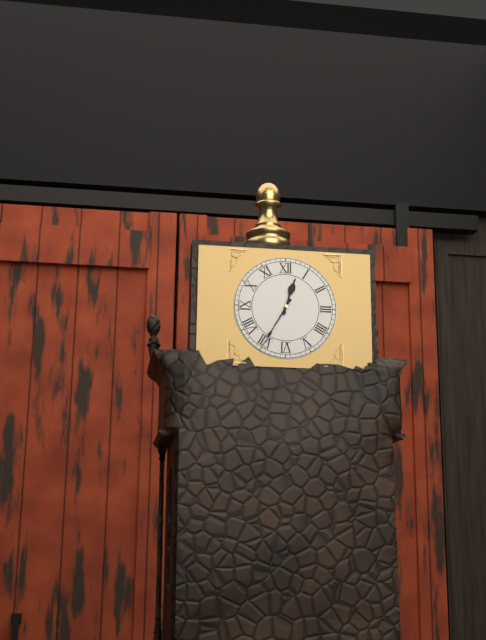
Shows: 12:35
